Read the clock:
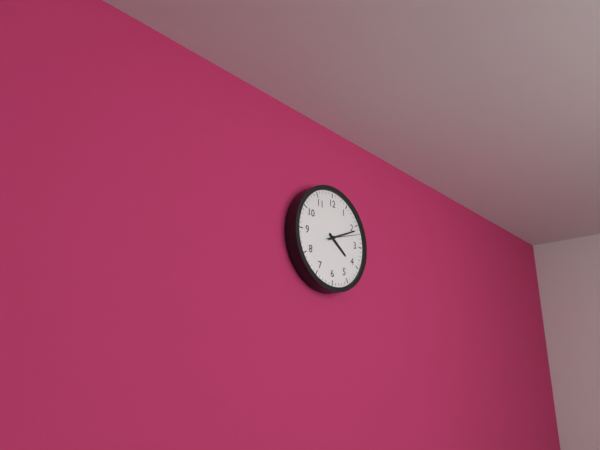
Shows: 4:11
